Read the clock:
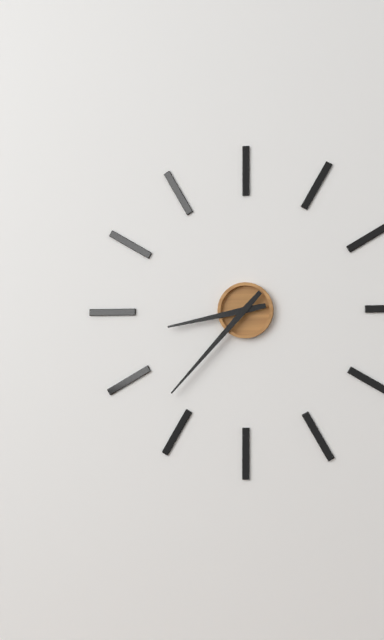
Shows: 8:37
